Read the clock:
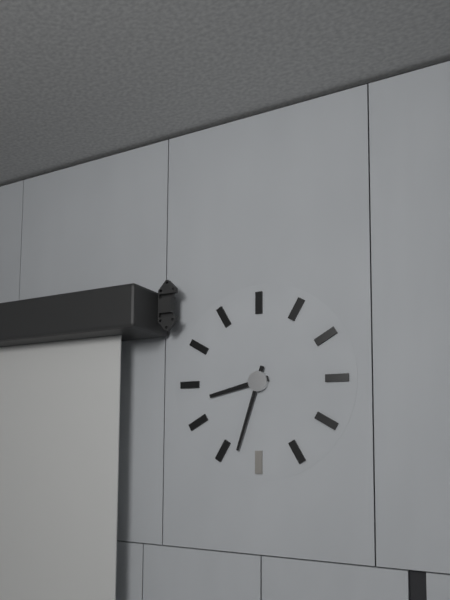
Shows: 8:33
